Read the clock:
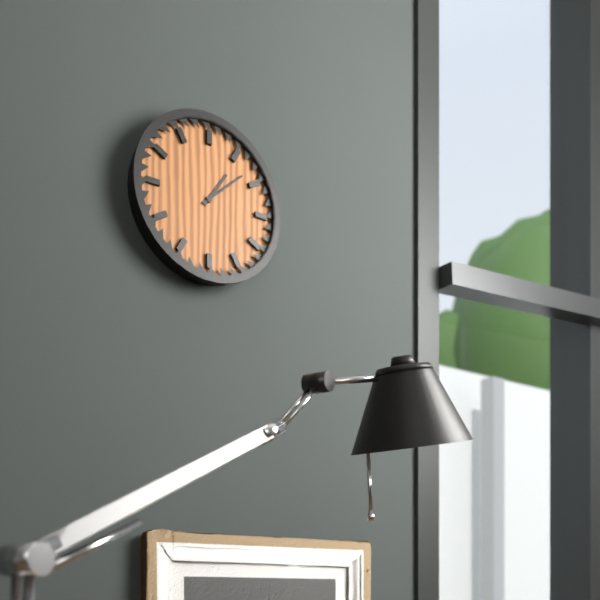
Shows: 1:08
